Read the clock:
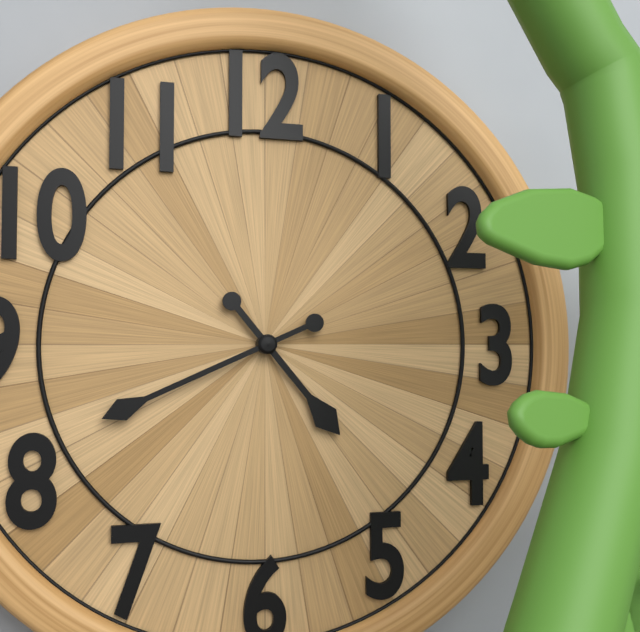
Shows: 4:41
